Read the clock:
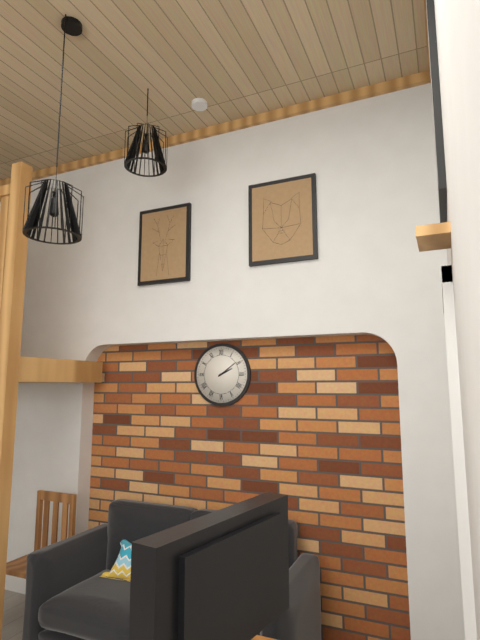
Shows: 2:09
